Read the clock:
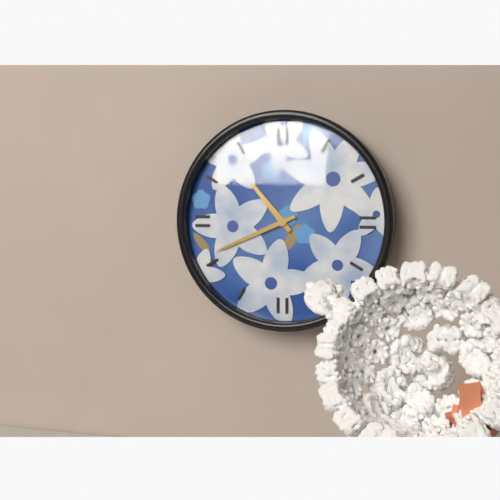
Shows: 10:41
